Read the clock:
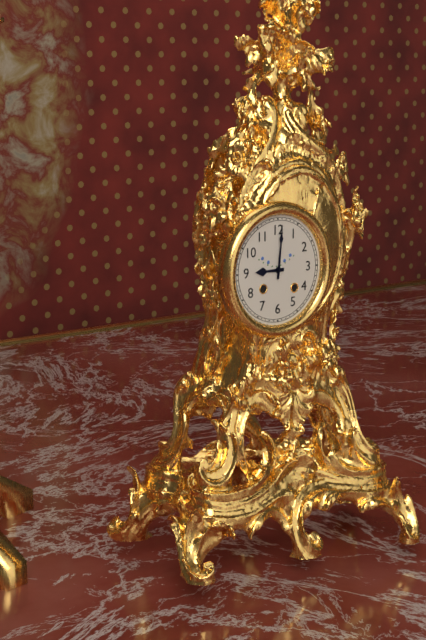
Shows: 9:01
